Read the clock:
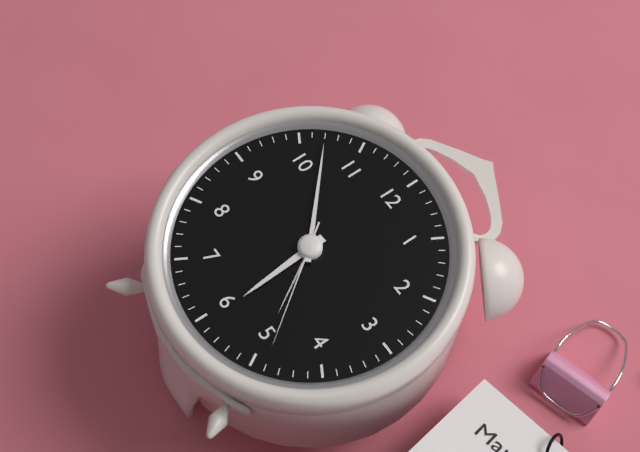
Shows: 5:52:24
